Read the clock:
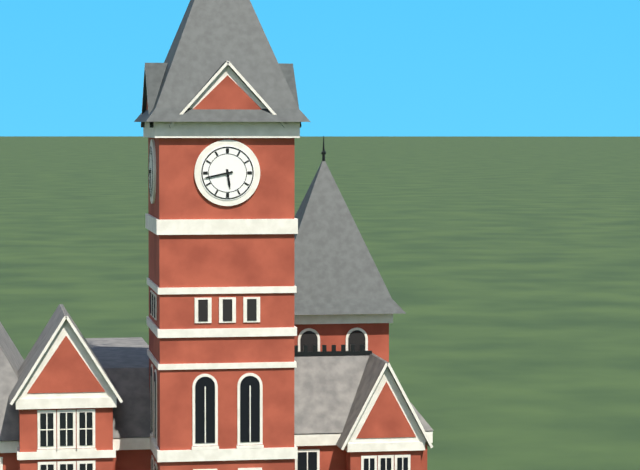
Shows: 5:43
